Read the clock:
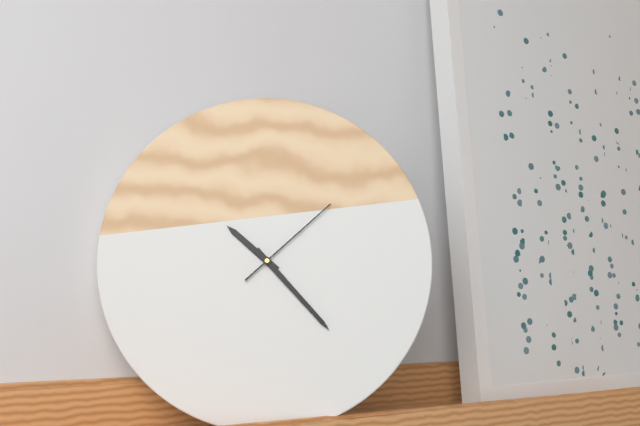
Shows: 10:23:08
